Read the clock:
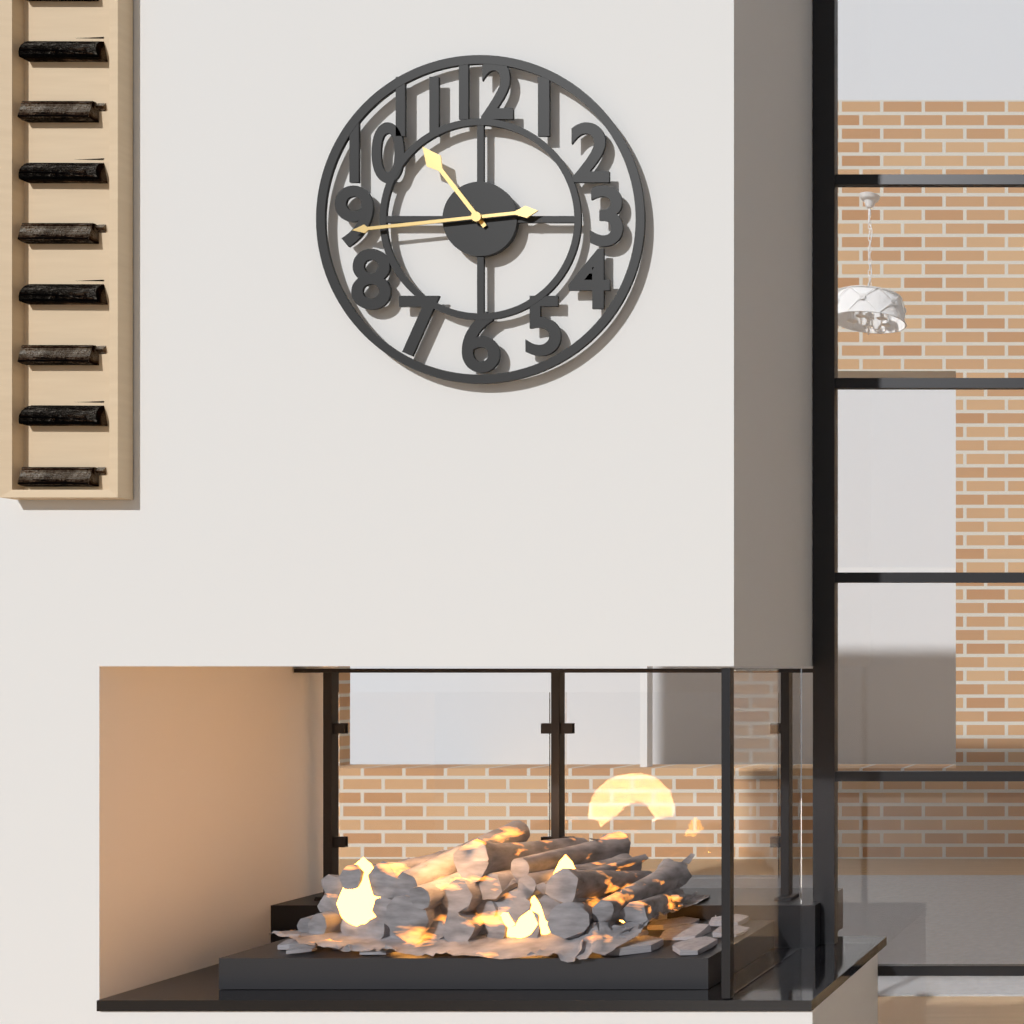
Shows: 10:44
